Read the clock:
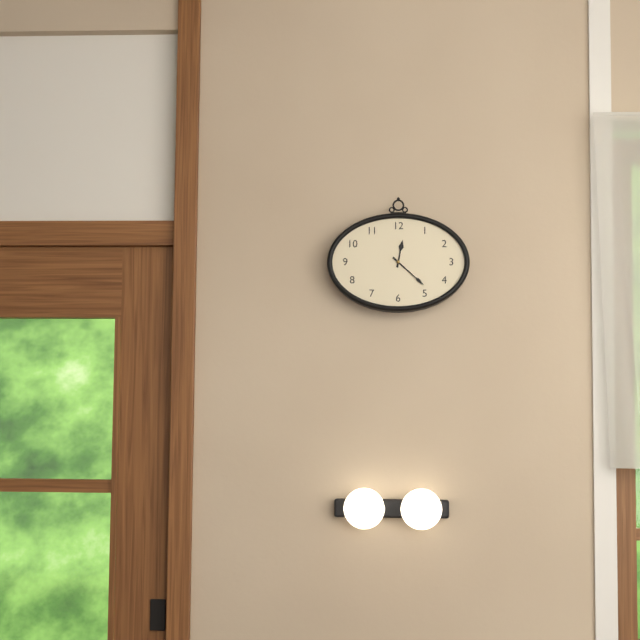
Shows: 12:22
